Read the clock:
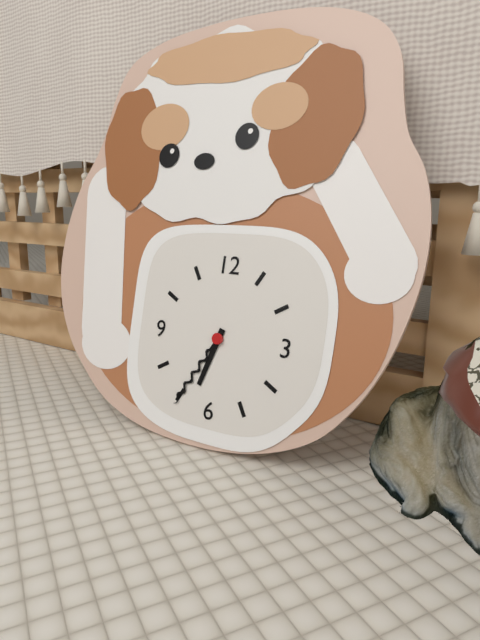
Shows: 6:35
